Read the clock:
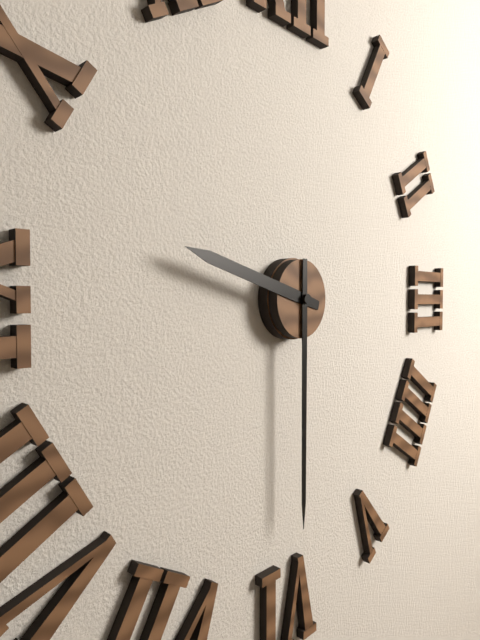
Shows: 9:30
